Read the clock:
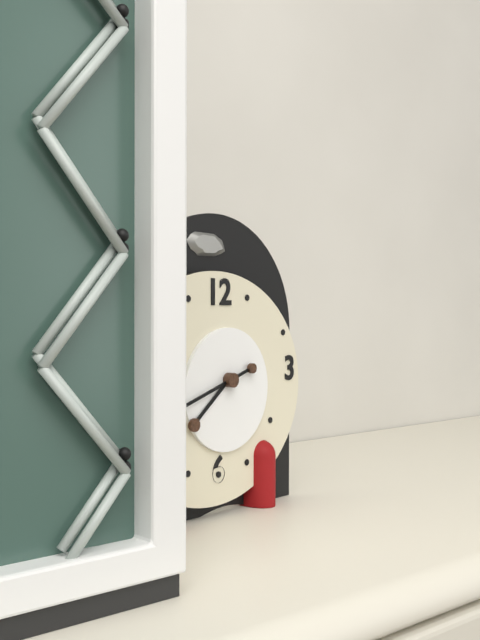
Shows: 7:42
